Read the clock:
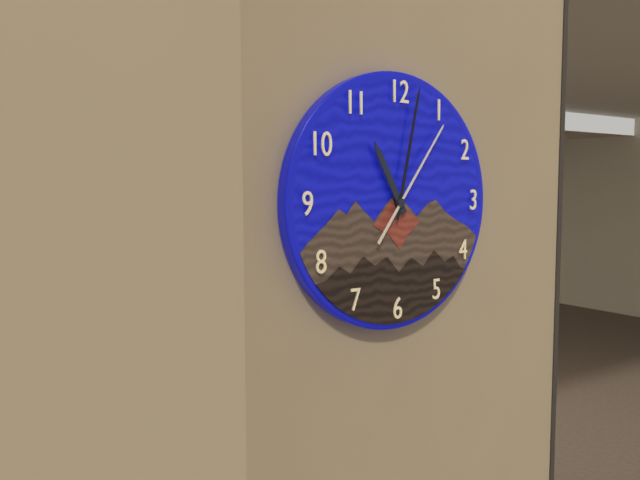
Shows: 11:02:06
